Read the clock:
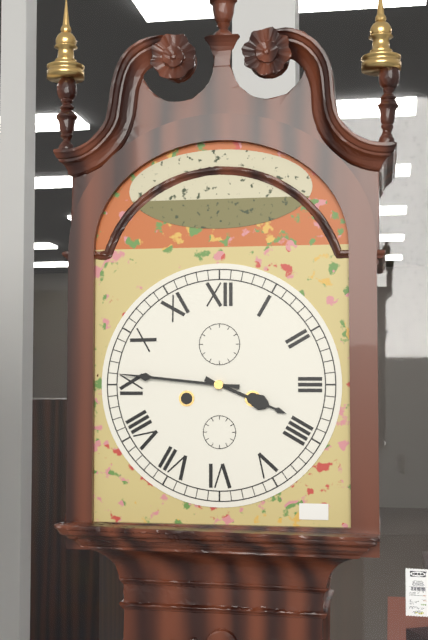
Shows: 3:46
